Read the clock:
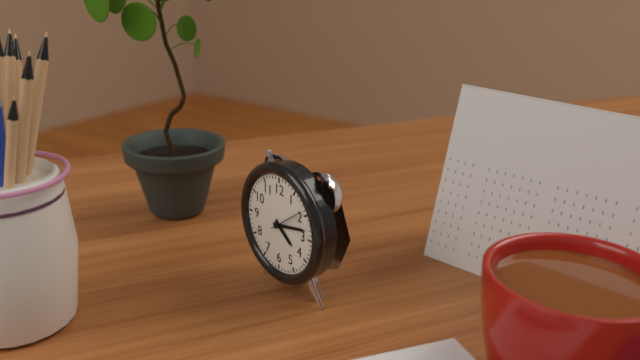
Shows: 4:13
